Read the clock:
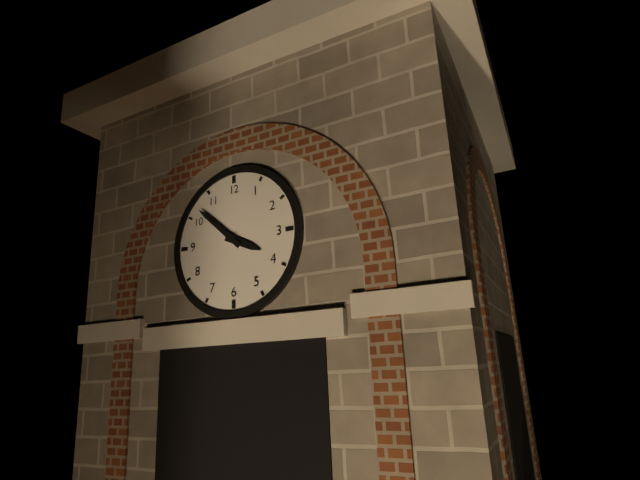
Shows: 3:52
